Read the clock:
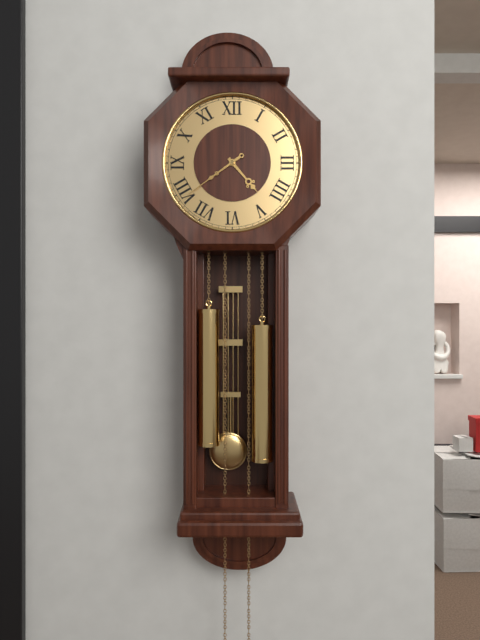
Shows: 4:39
